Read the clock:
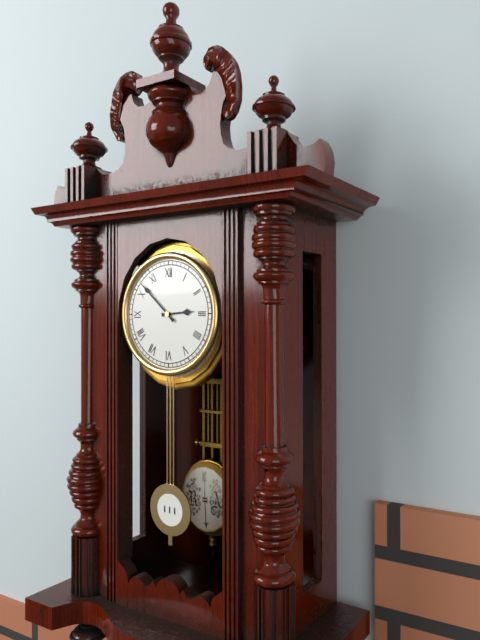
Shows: 2:52
